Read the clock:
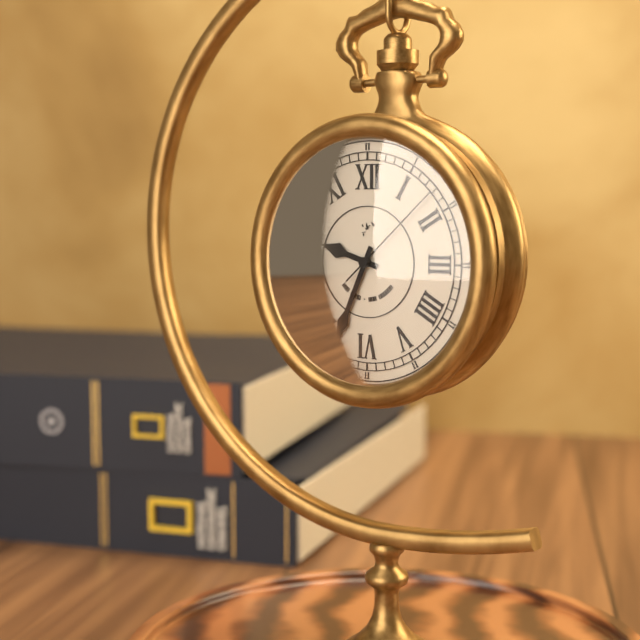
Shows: 9:34:08
